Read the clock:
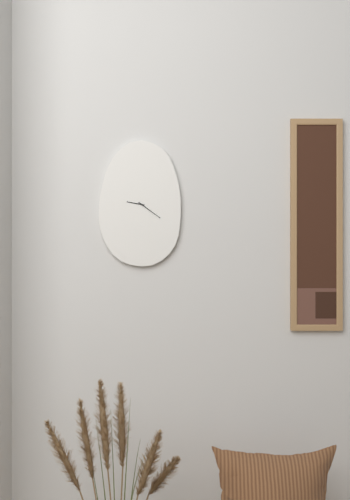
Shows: 9:21
